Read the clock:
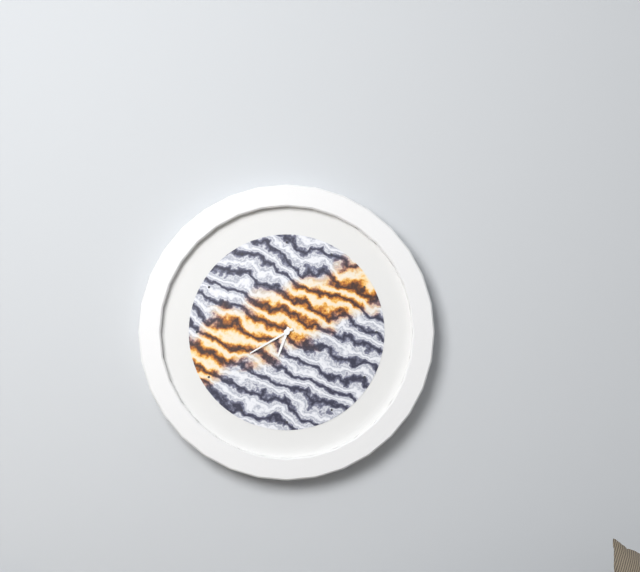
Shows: 6:40
